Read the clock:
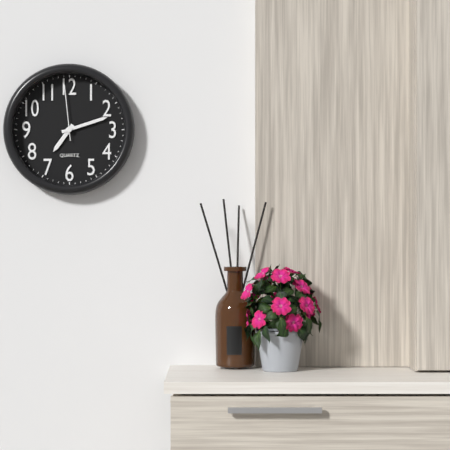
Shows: 7:12:59
